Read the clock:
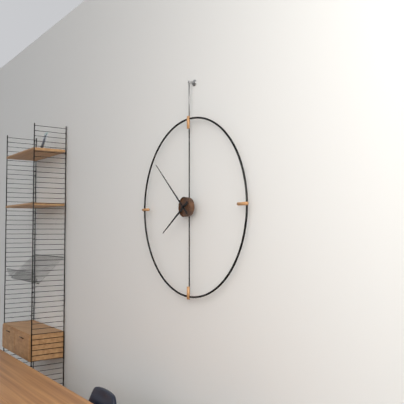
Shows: 7:52
